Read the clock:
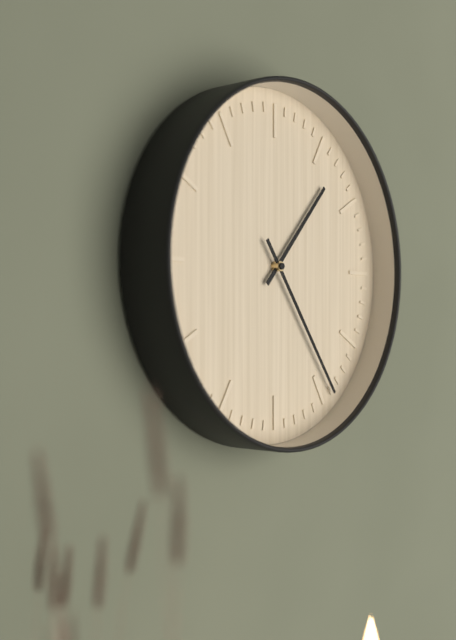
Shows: 1:24
